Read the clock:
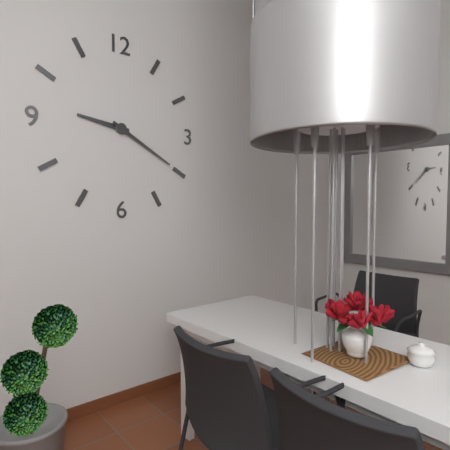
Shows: 9:20
